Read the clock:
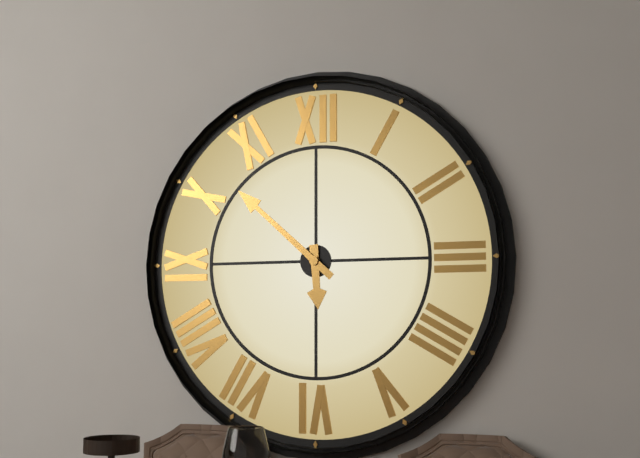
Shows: 5:52
